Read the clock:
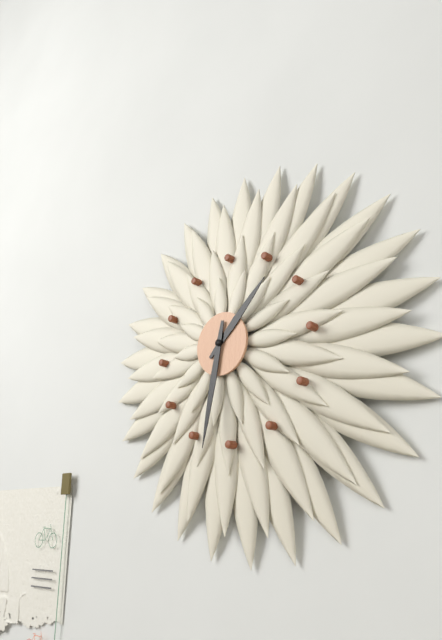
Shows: 1:32
